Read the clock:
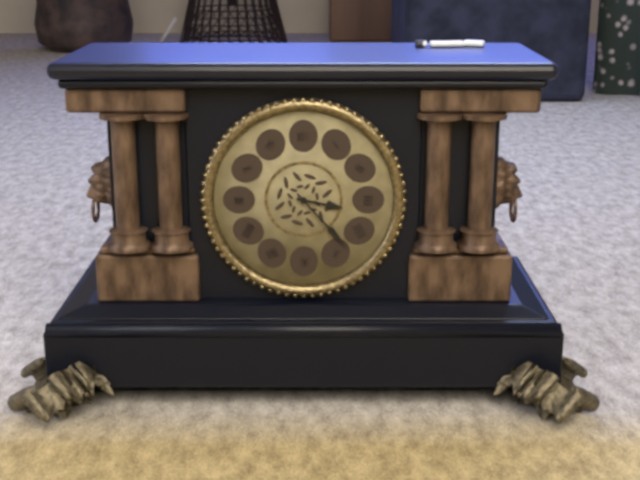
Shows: 3:23
